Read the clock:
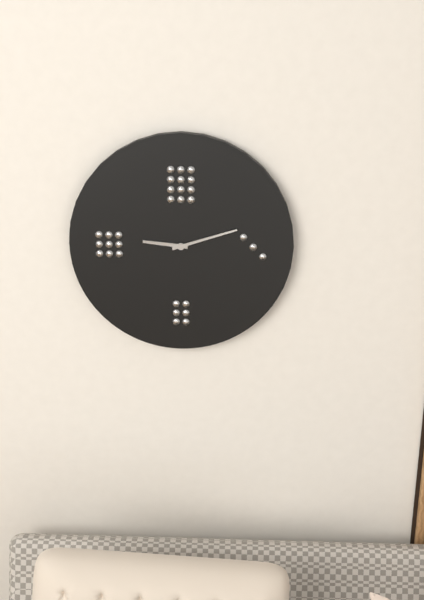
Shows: 9:12
